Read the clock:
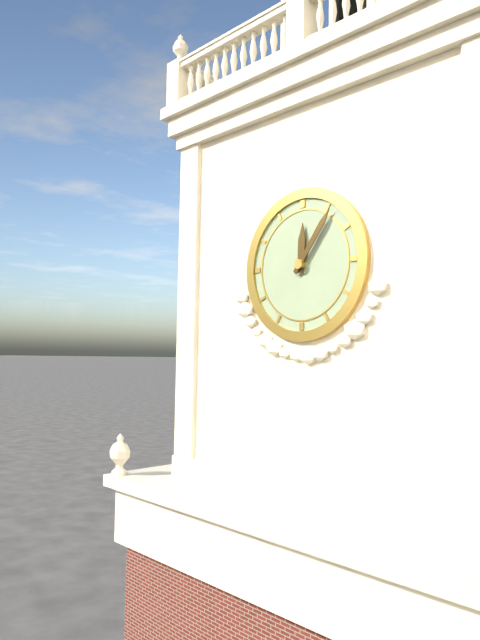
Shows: 12:06
